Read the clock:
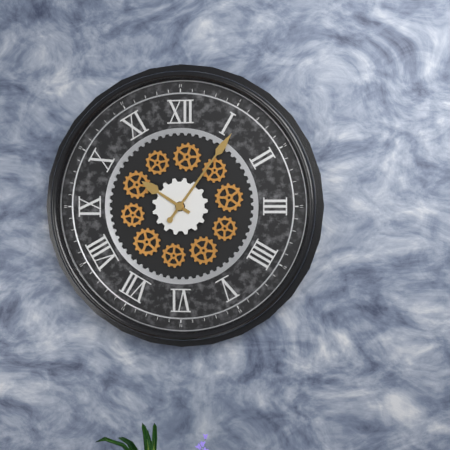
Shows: 10:06
